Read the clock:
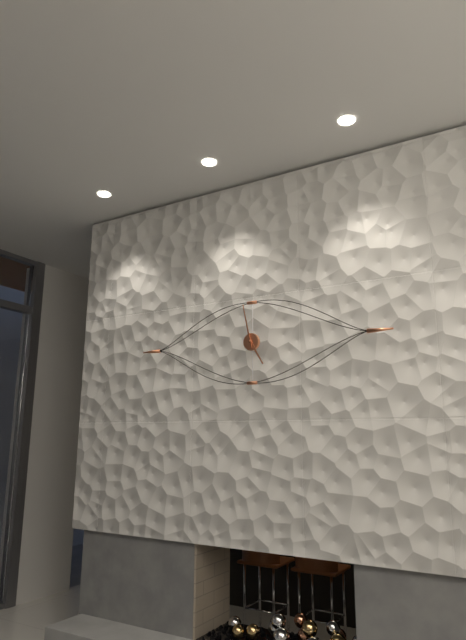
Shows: 4:58
